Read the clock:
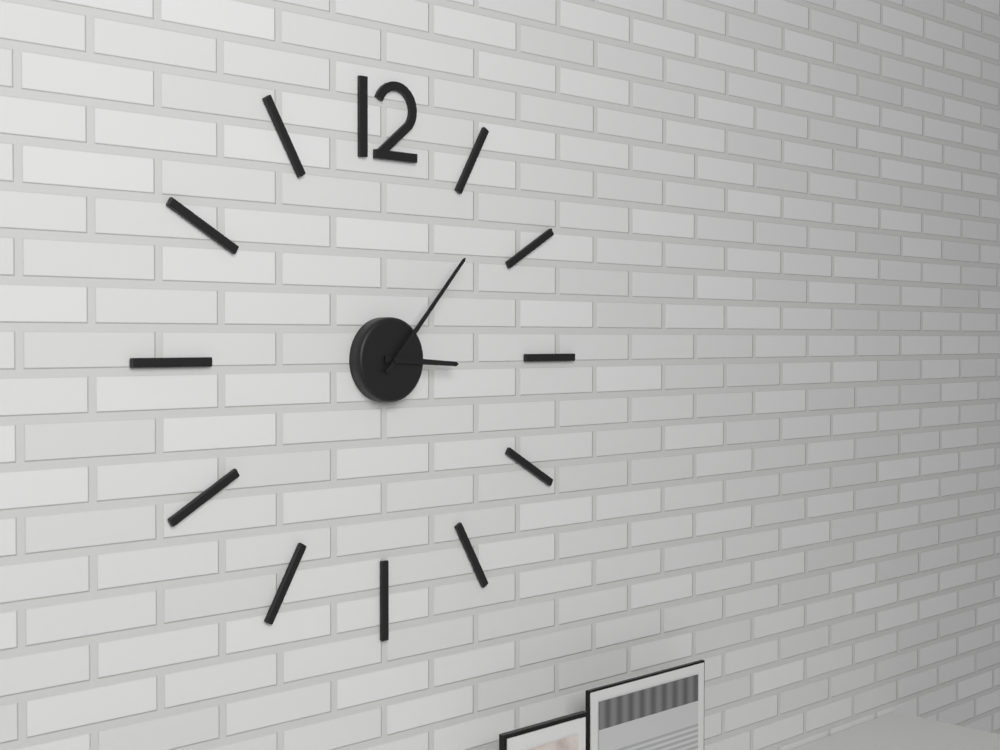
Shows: 3:07
